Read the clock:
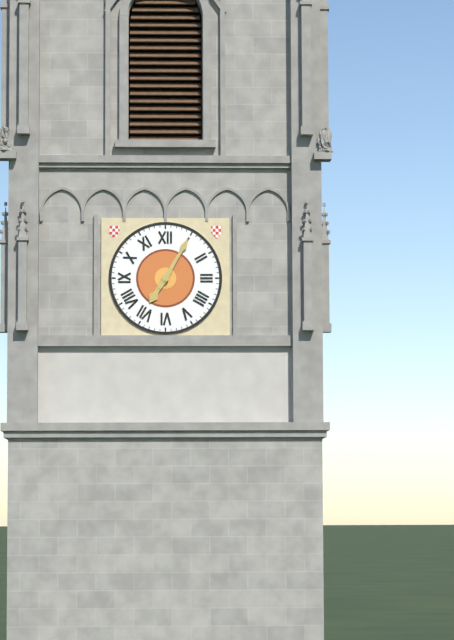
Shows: 7:05
